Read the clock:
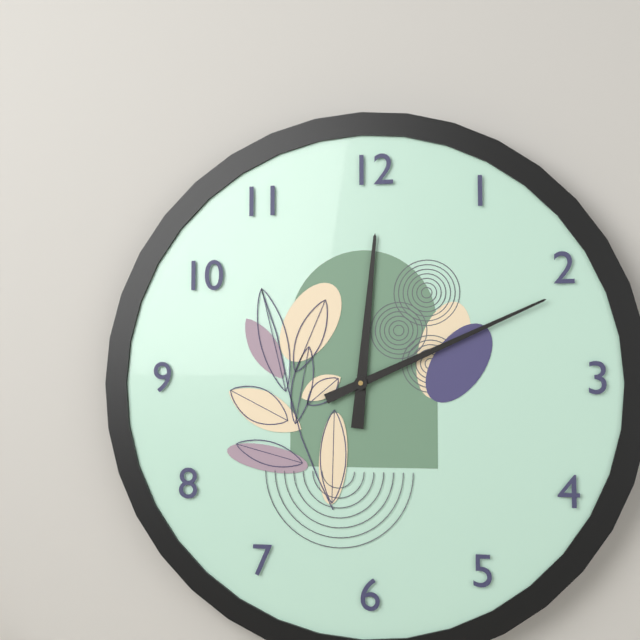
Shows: 12:11
